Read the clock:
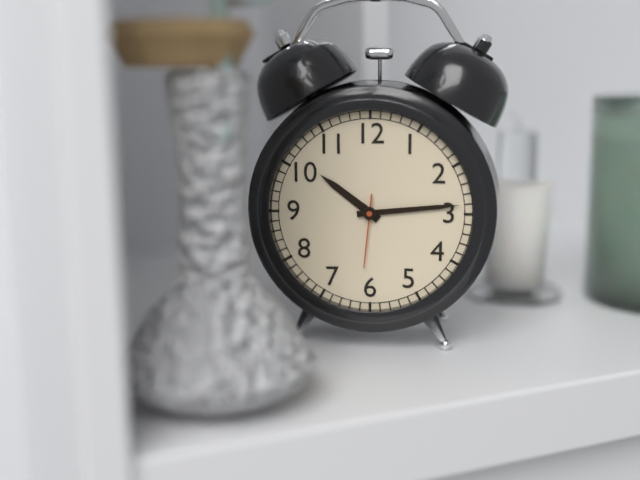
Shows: 10:14:31
